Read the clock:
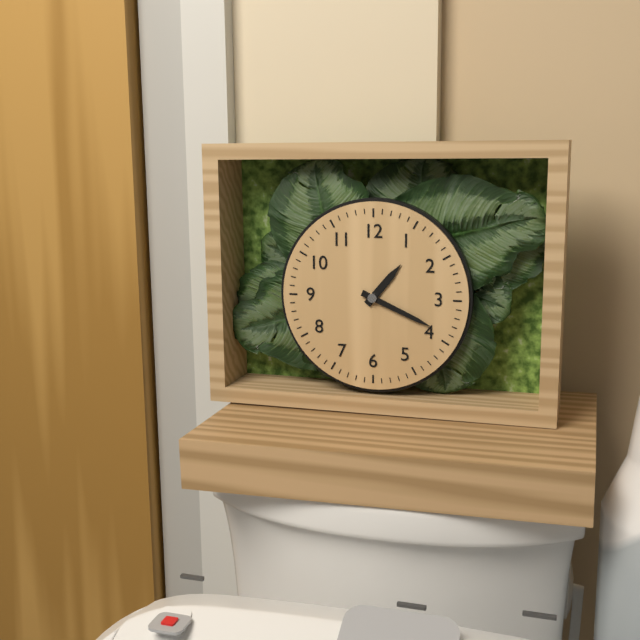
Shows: 1:19
